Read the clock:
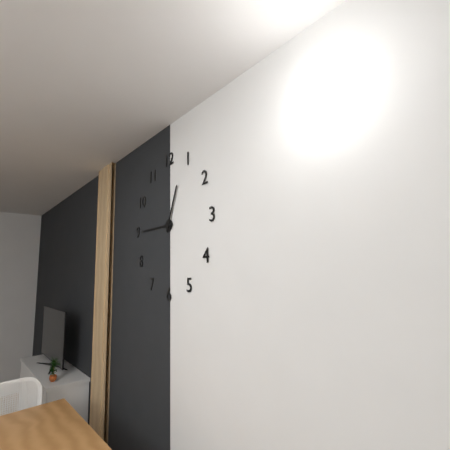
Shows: 12:45
